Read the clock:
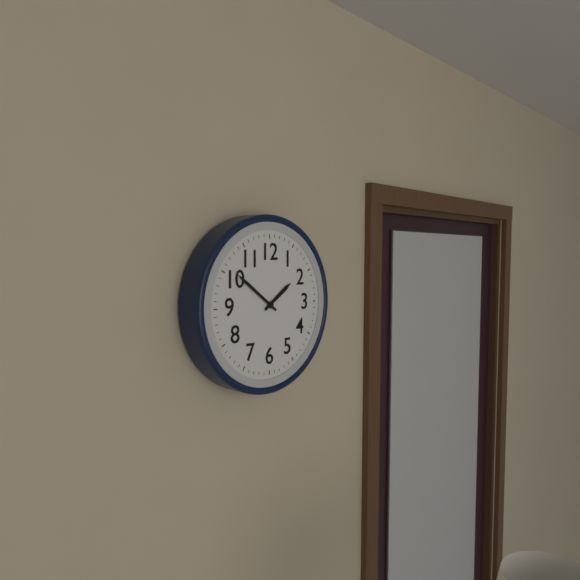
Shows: 1:51
